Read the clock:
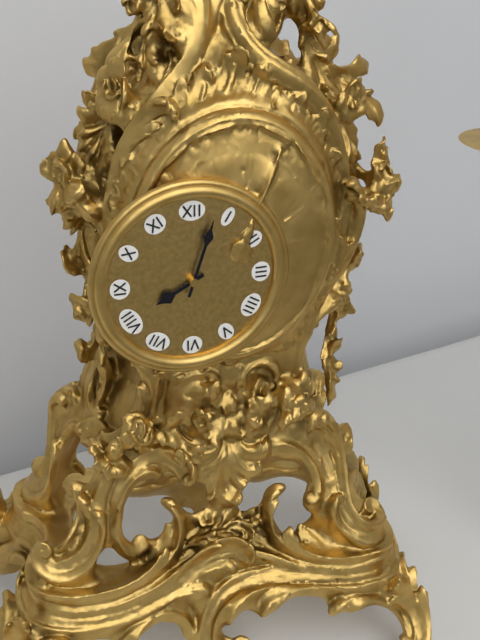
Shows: 8:03
